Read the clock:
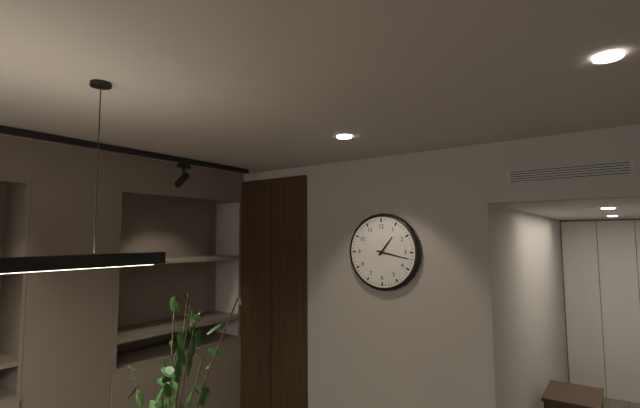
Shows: 1:17
